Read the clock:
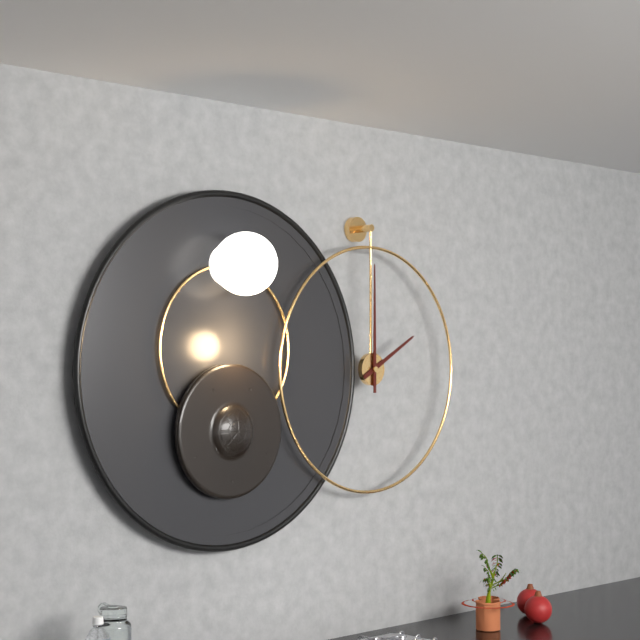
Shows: 2:00
